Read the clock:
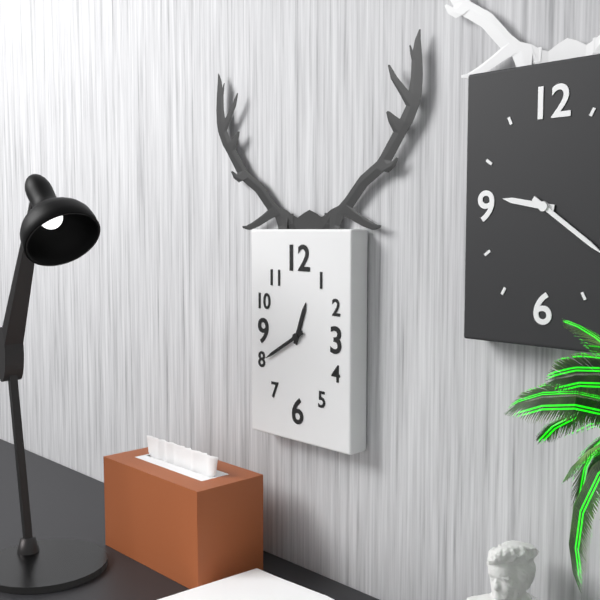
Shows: 12:40
